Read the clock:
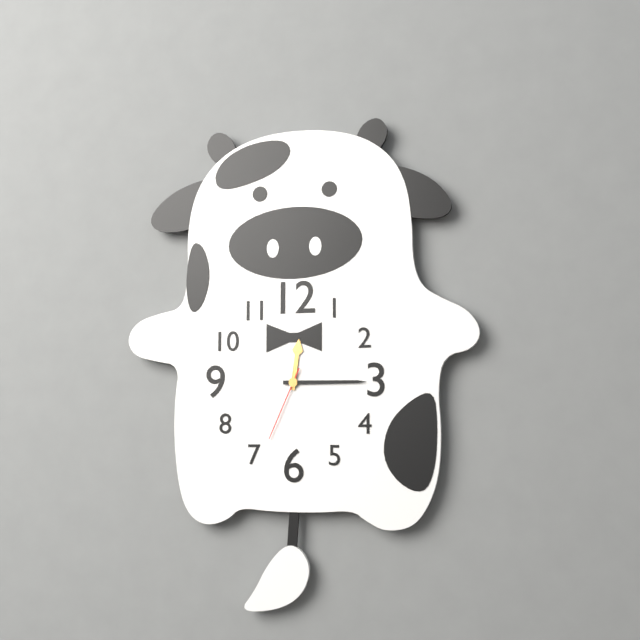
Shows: 12:15:34
